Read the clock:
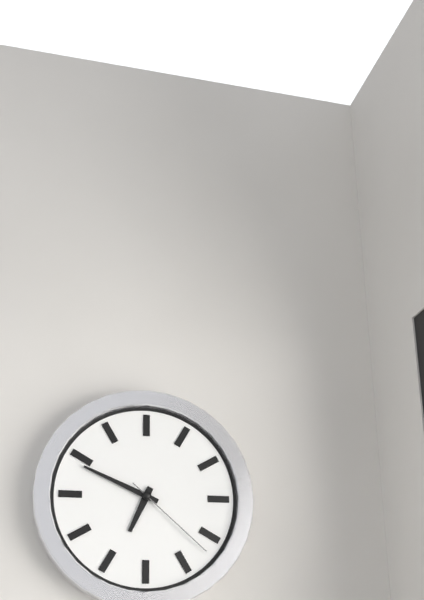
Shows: 6:49:22
